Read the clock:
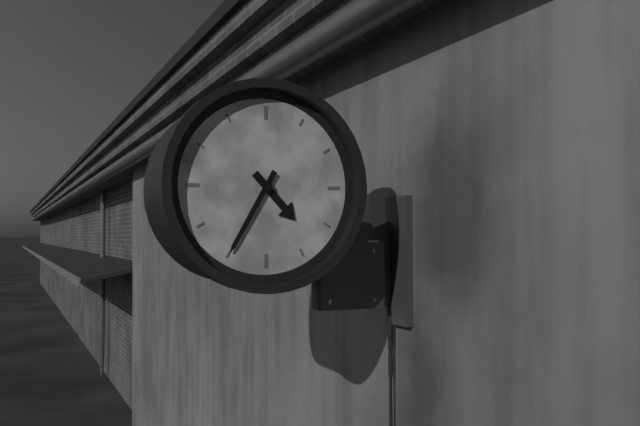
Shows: 4:35
